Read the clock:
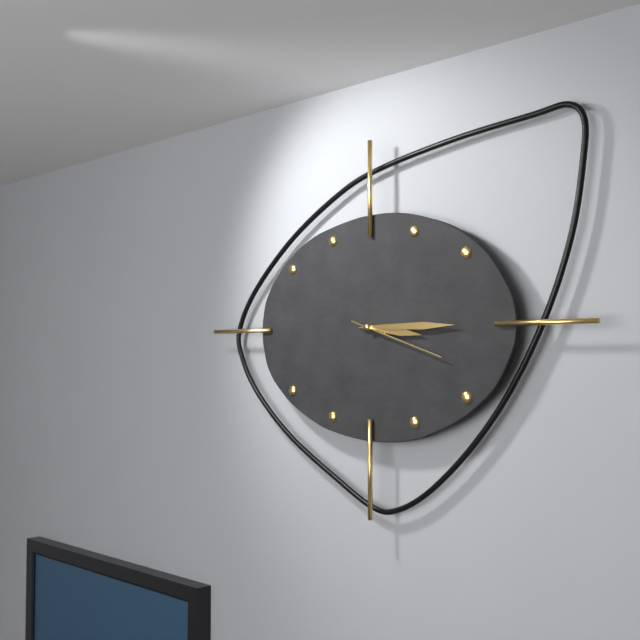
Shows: 3:15:18
